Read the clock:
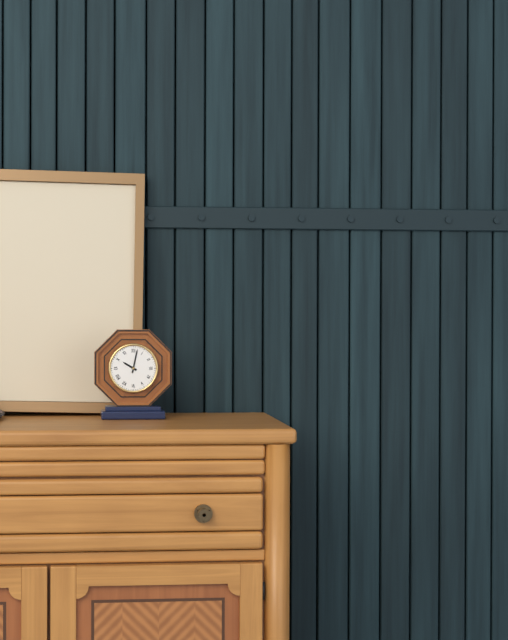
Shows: 10:02
